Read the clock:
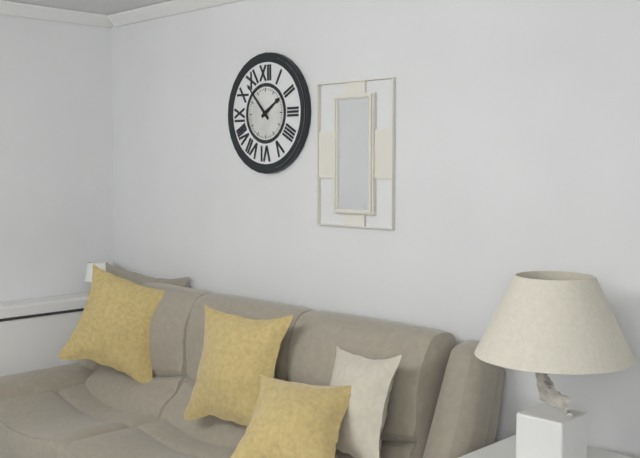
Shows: 1:53
